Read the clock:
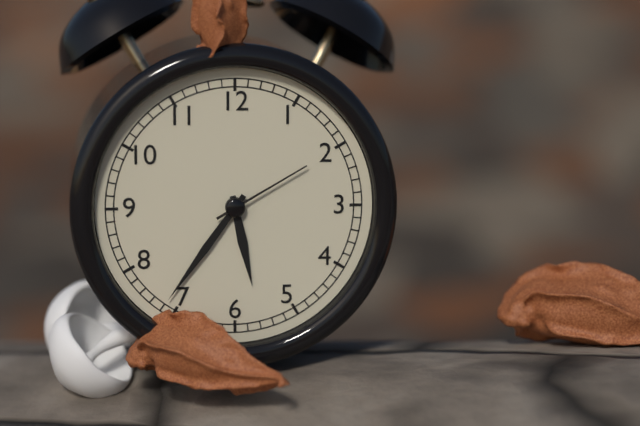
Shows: 5:36:10
